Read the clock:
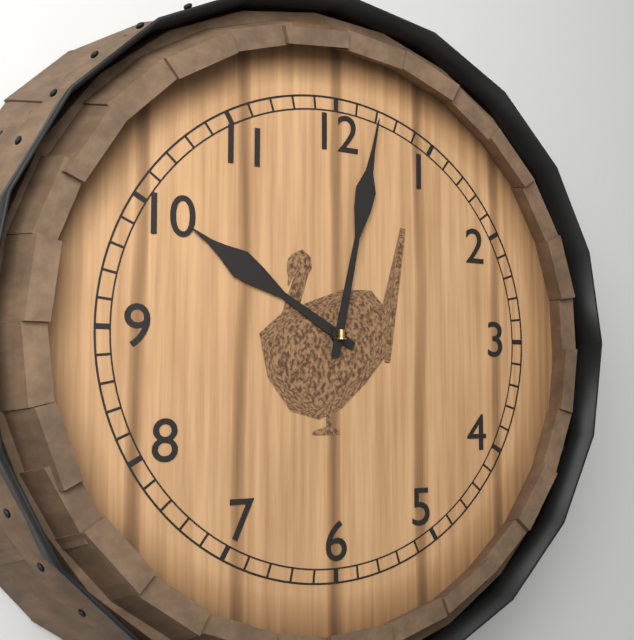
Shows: 10:02
